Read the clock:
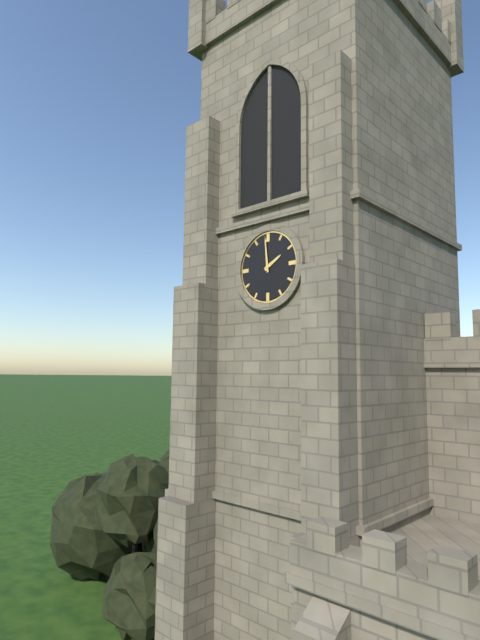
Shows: 1:59
